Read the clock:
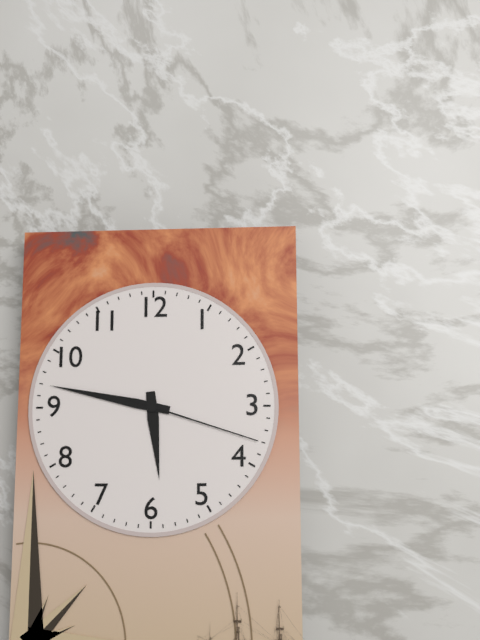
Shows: 5:47:18
